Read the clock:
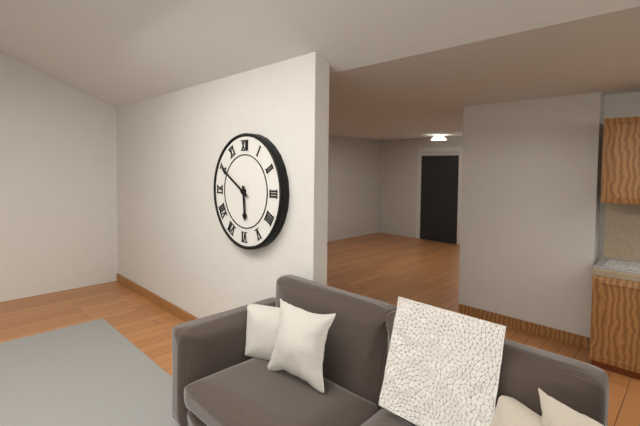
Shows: 5:50
